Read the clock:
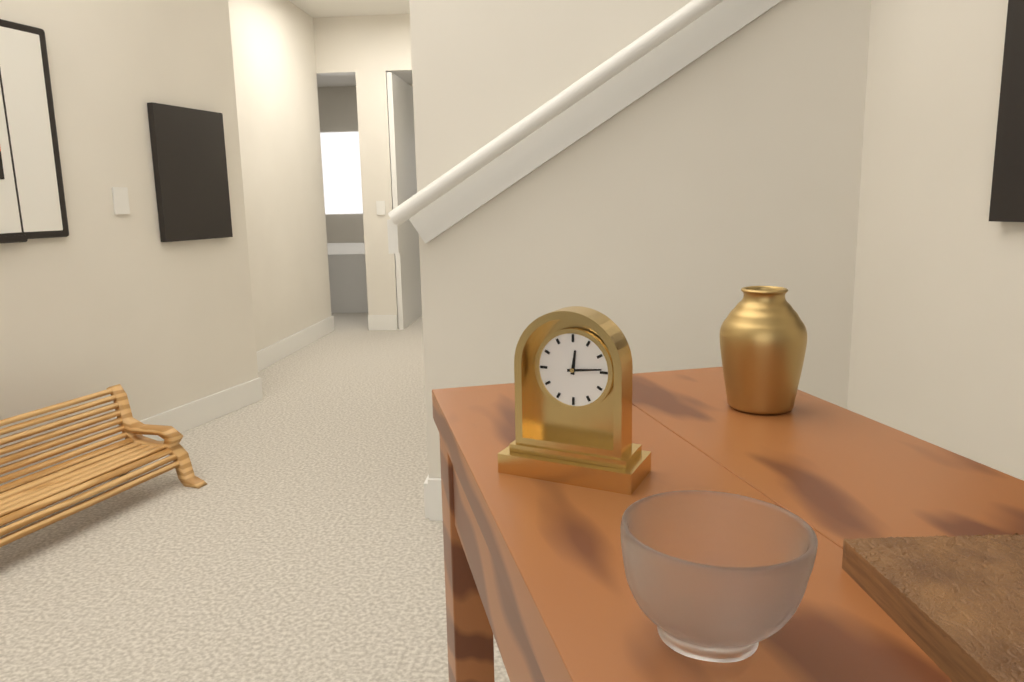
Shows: 12:14
